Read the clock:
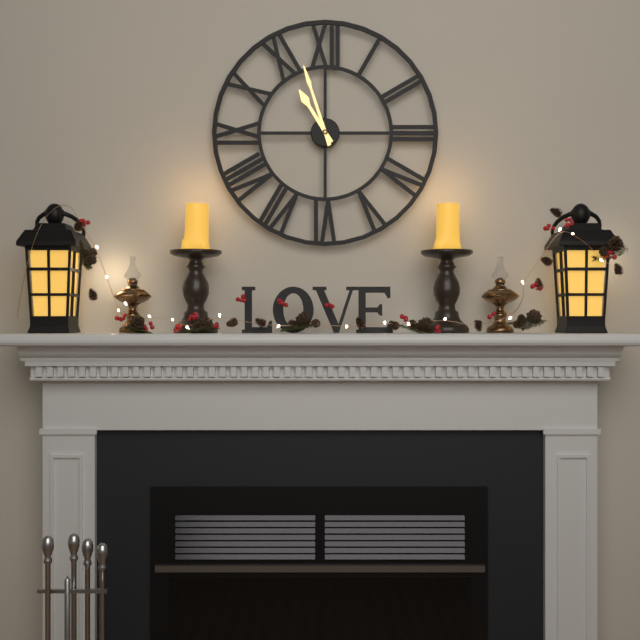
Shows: 10:57
